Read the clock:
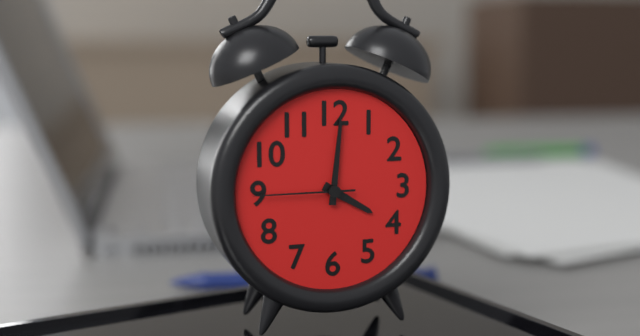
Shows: 4:01:45
